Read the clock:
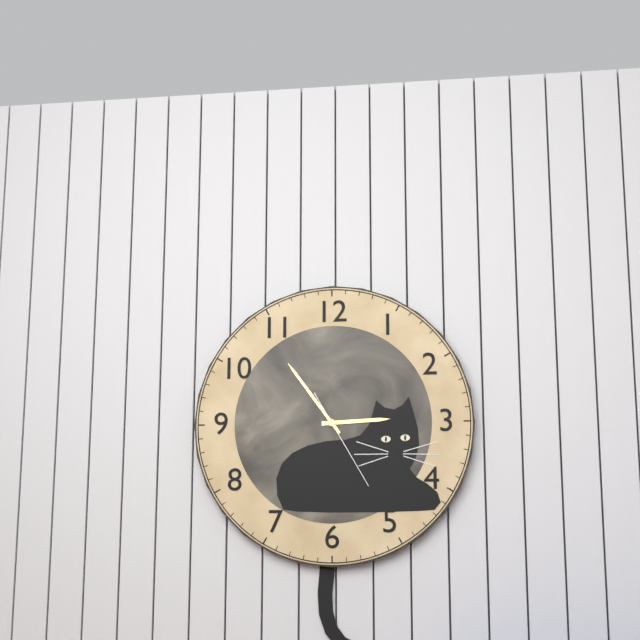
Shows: 2:54:25
